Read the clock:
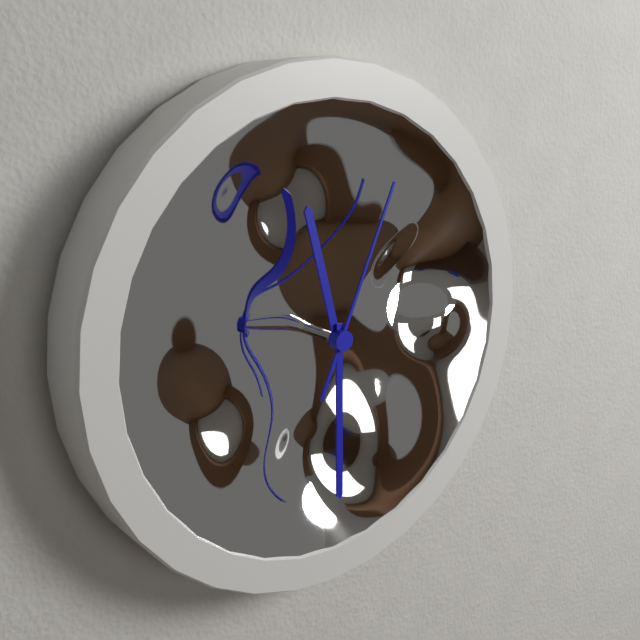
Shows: 11:30:04
